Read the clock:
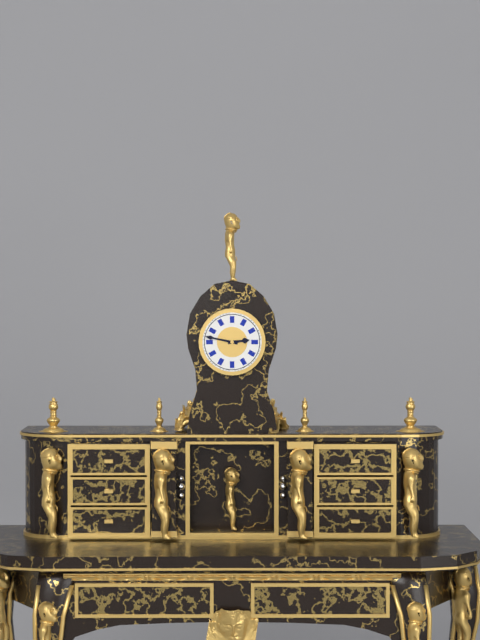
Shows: 2:47
